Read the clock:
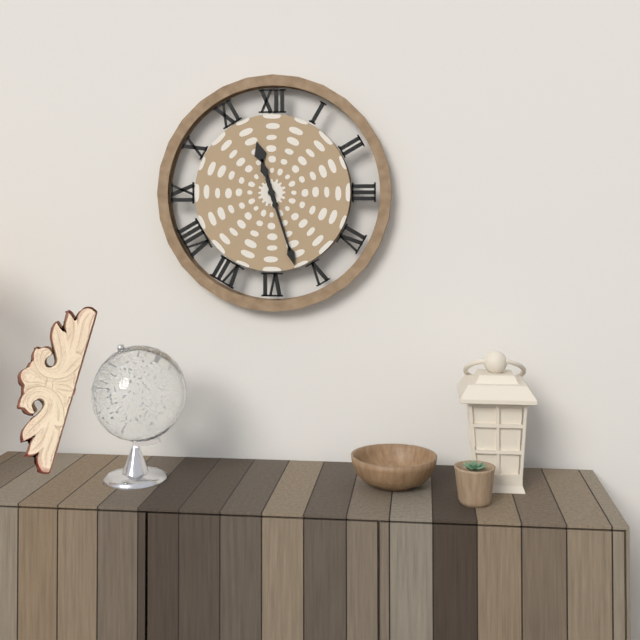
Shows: 11:27
